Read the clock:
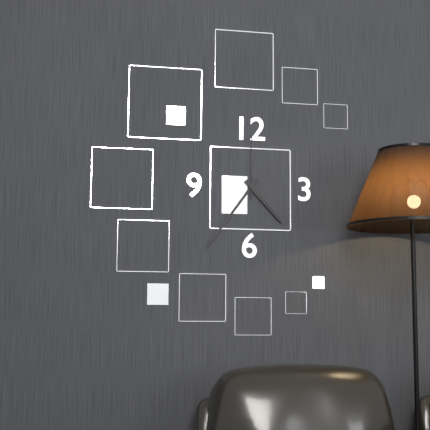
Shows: 4:36:00
